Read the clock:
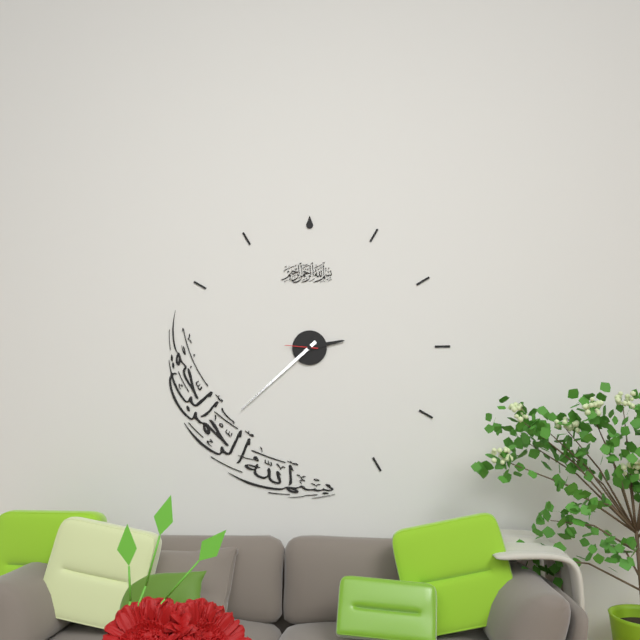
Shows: 2:38
